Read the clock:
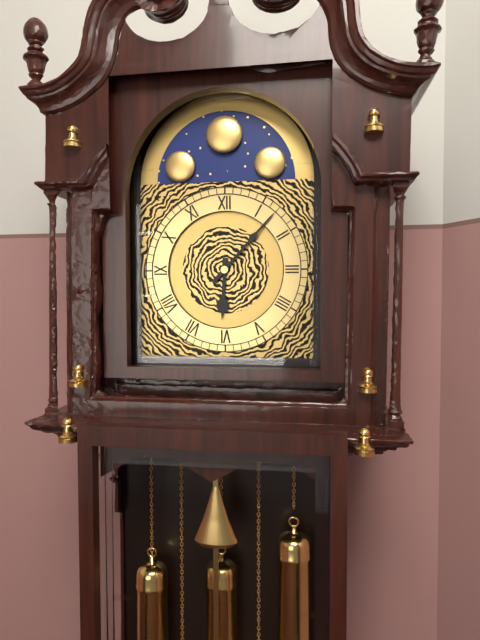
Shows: 6:07
